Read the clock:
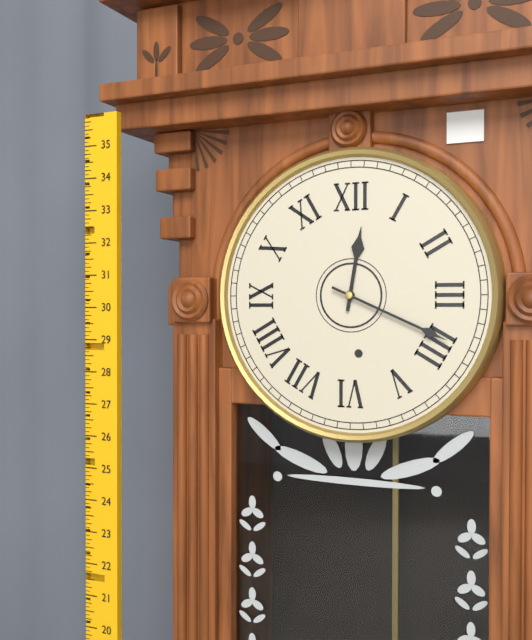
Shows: 12:19
